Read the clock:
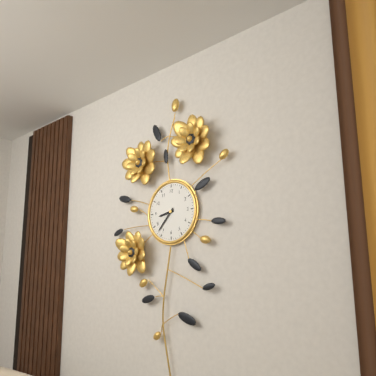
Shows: 8:37
